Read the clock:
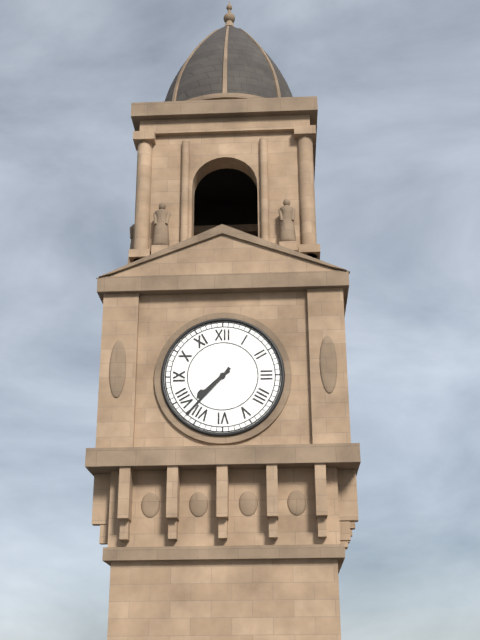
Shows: 7:37
